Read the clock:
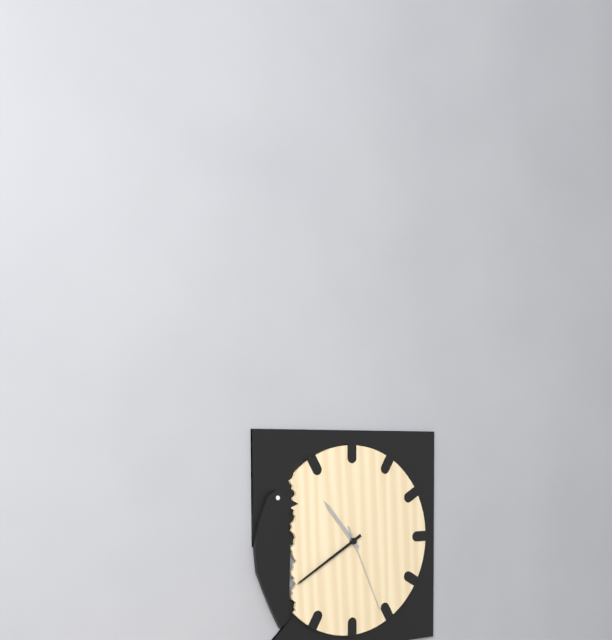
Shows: 10:40:26
